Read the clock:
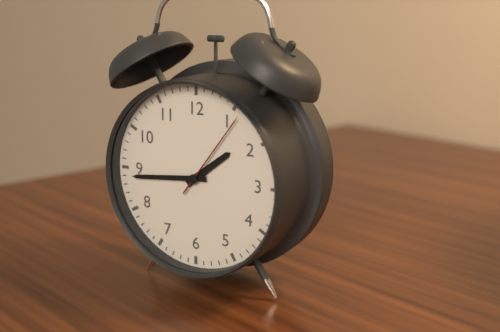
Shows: 1:44:06
